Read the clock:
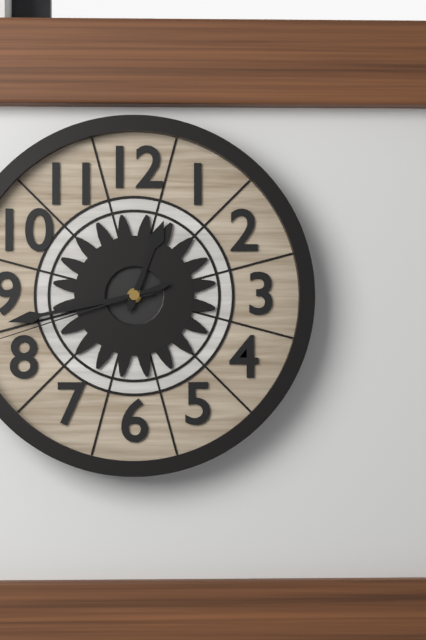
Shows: 12:43
